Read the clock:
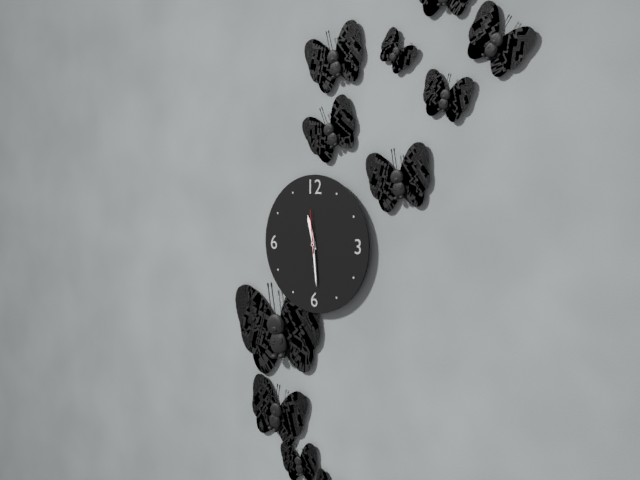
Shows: 11:29
